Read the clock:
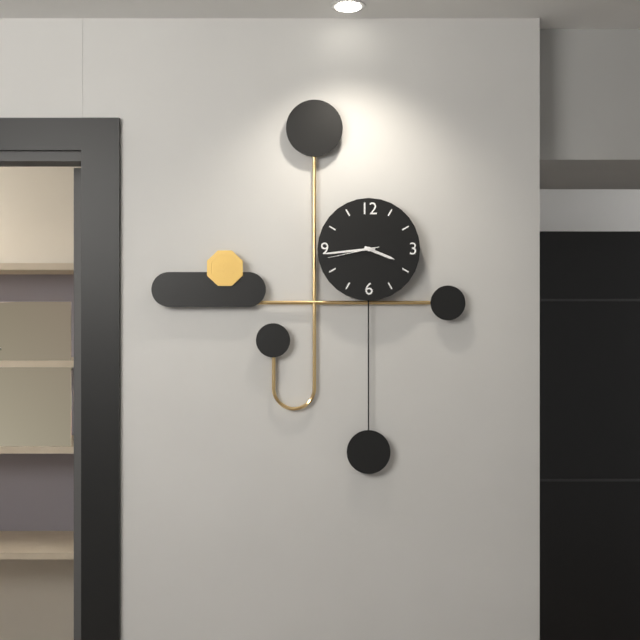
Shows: 3:44:43
